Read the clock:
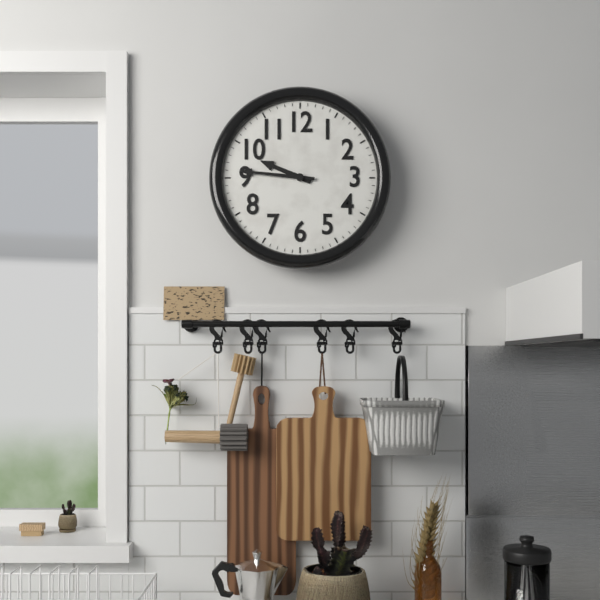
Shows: 9:46
